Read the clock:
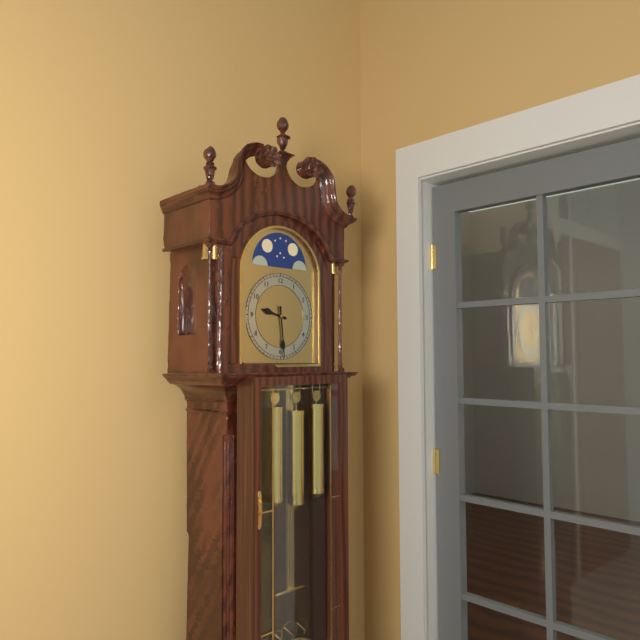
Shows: 9:29
